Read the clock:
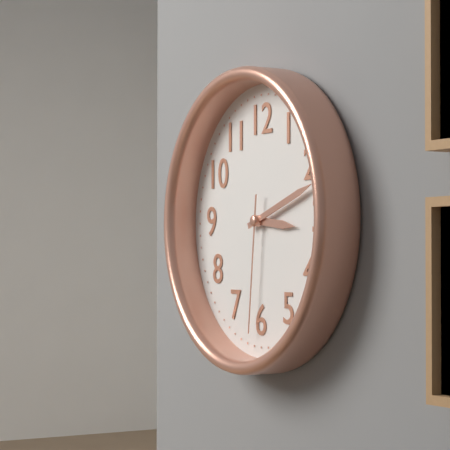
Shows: 3:12:31
